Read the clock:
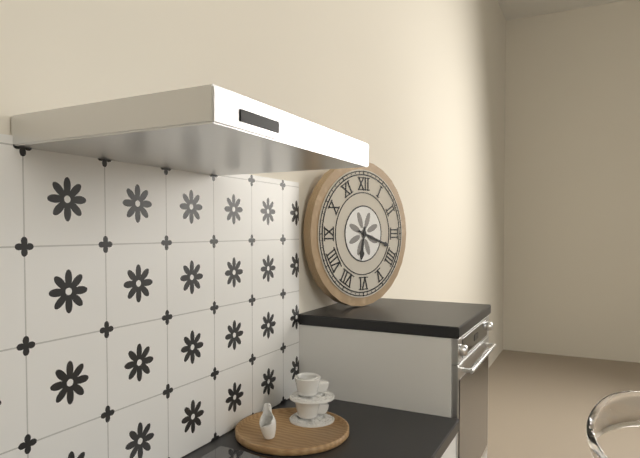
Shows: 6:18
